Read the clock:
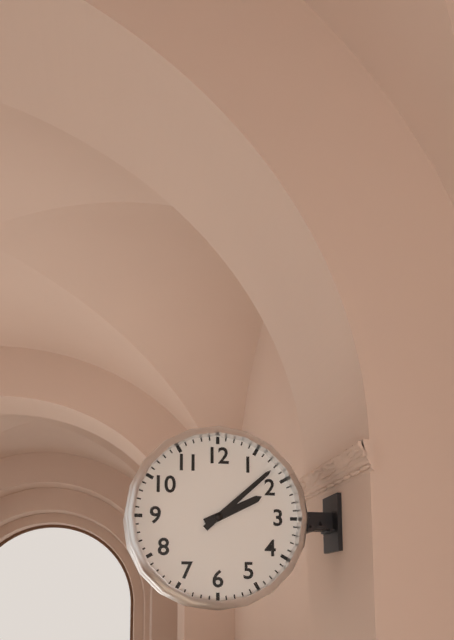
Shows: 2:08
